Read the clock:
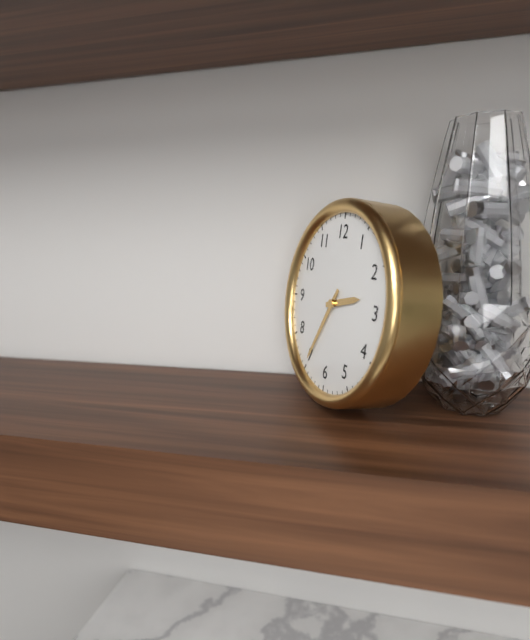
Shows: 2:35
